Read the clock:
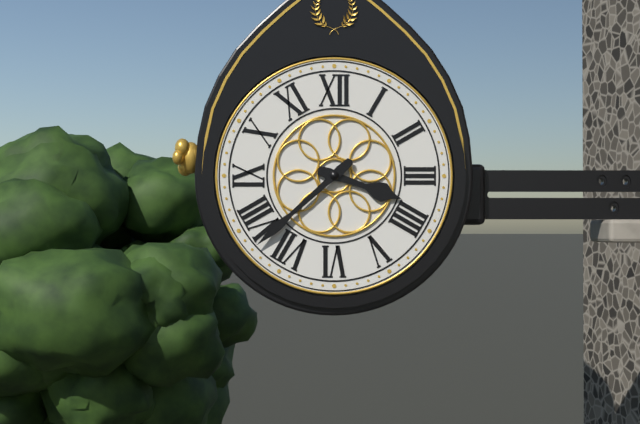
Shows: 3:38
